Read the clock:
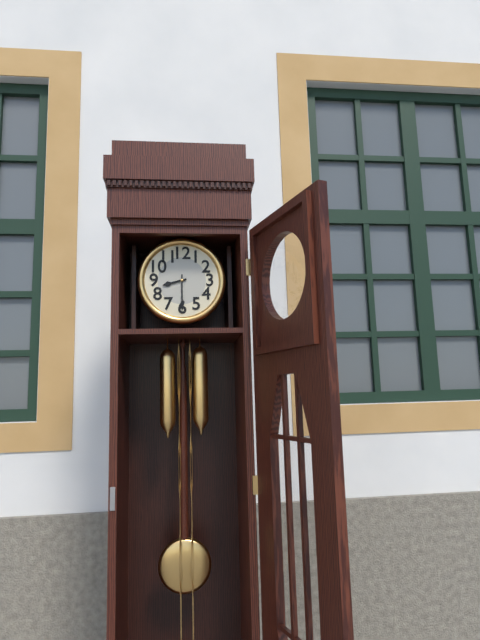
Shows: 8:30
